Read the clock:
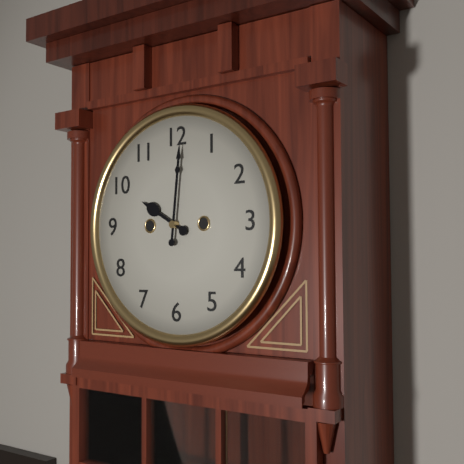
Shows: 10:01
